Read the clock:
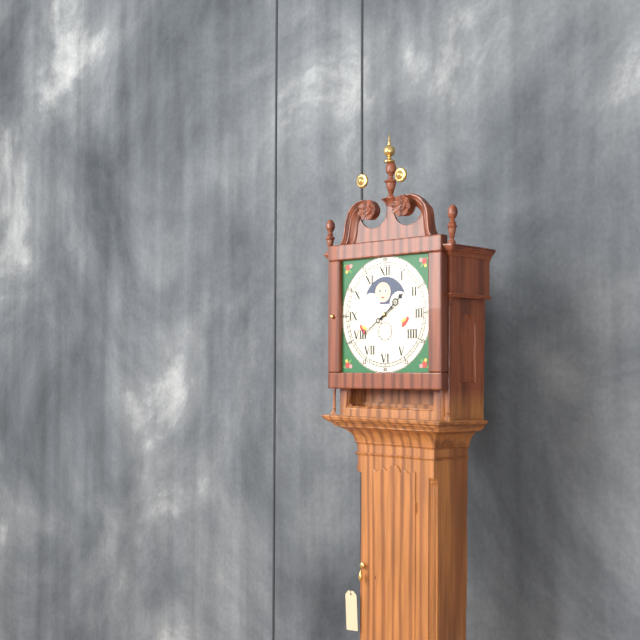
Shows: 1:39
